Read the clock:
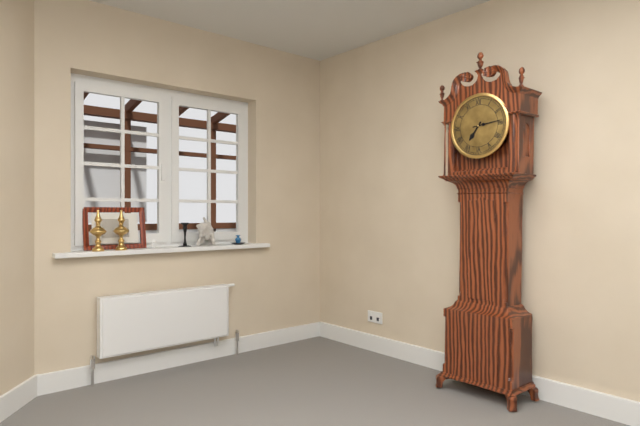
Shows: 7:14
